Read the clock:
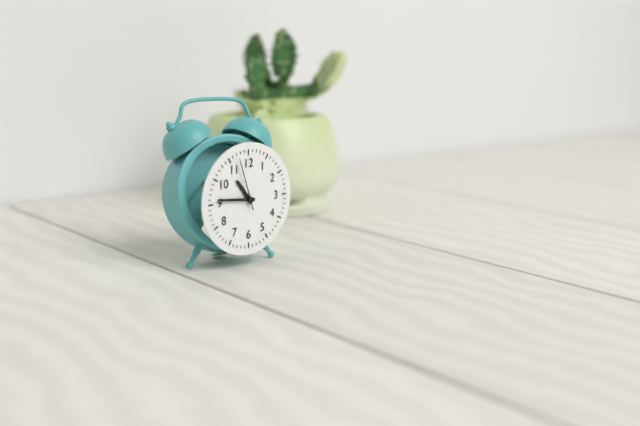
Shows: 10:46:57
